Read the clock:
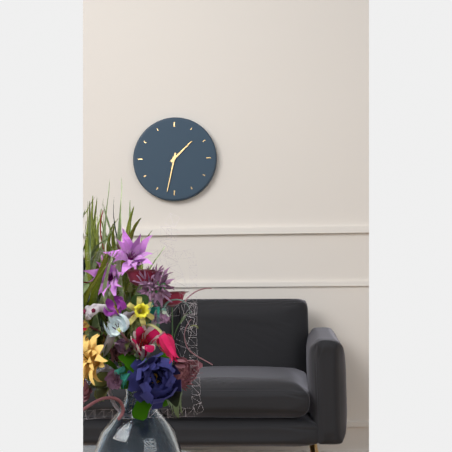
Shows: 1:32
